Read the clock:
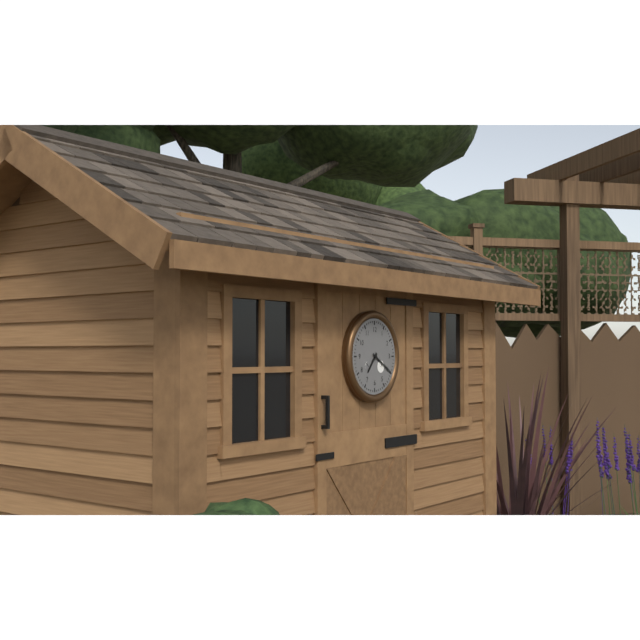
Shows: 7:20
